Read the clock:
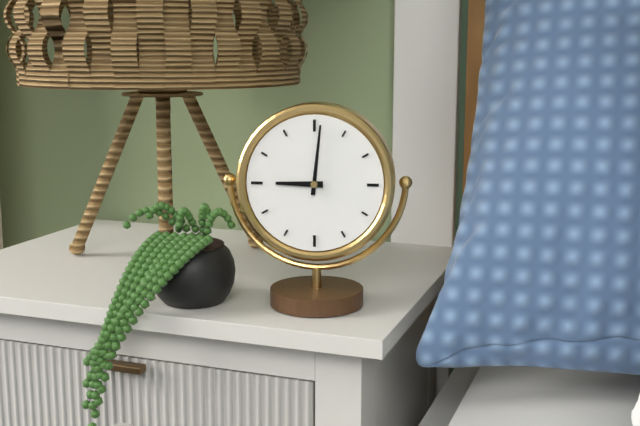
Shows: 9:01
